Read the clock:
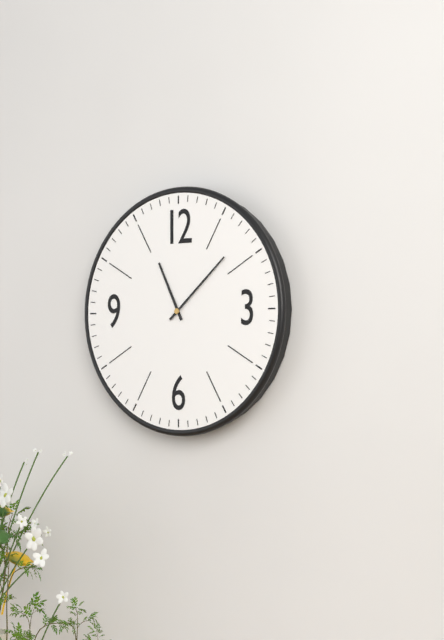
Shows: 11:08
